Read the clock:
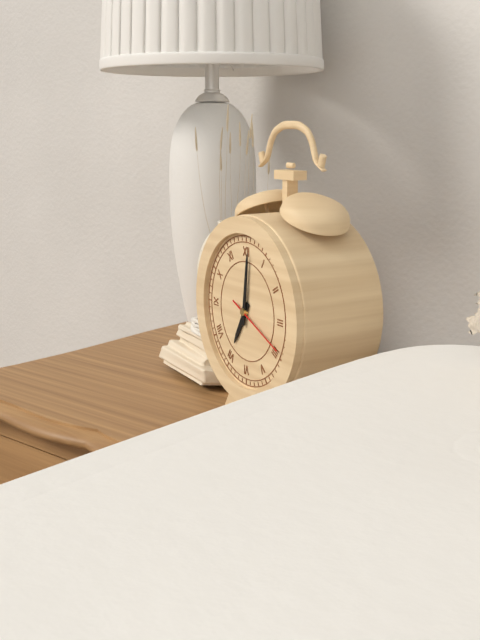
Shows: 7:01:19
